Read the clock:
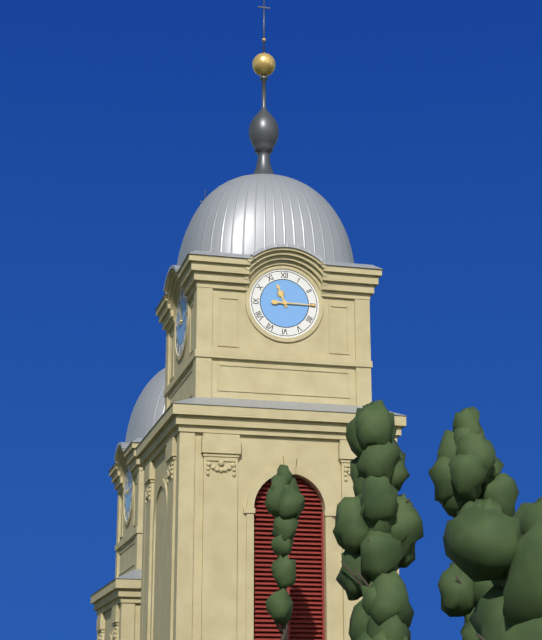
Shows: 11:15
